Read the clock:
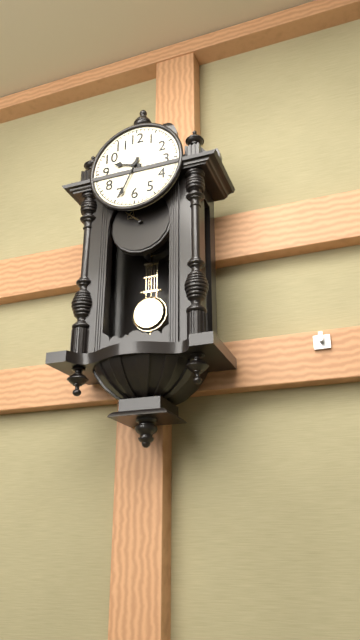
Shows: 9:34
